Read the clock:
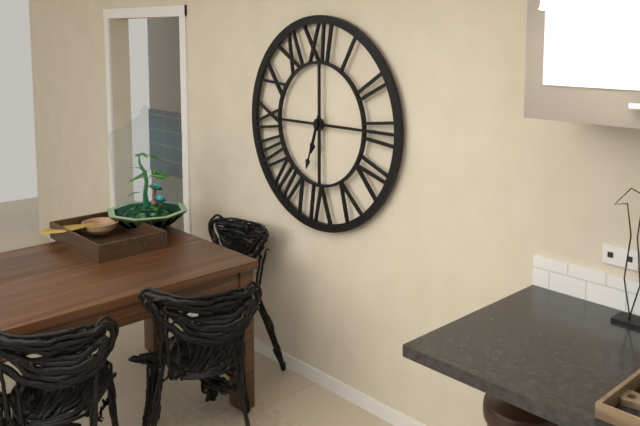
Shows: 6:33
